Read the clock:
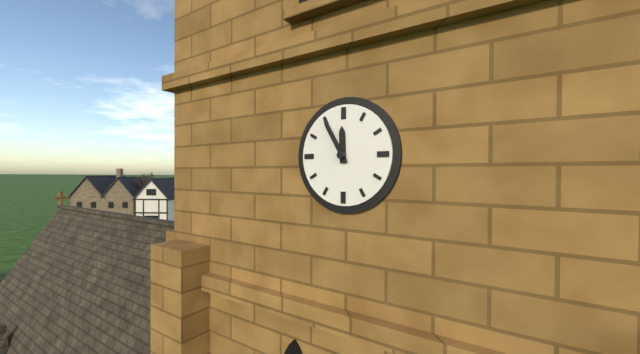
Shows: 11:55
